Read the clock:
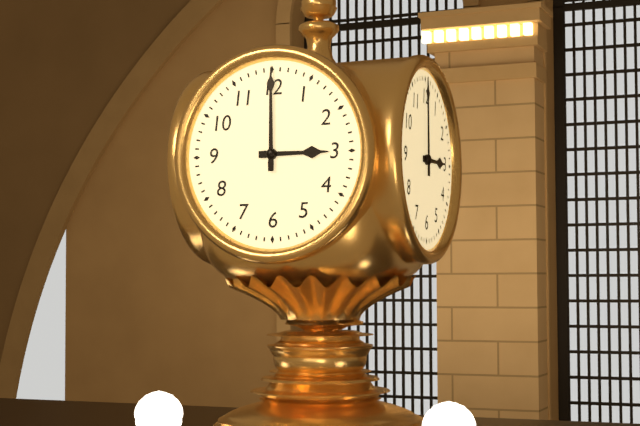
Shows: 3:00
